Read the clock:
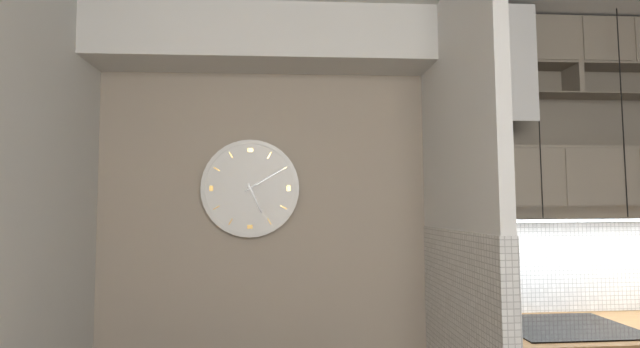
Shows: 5:10
